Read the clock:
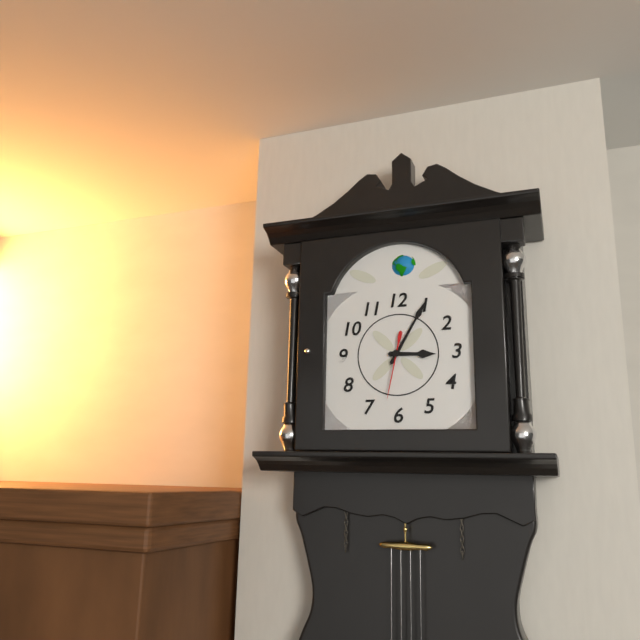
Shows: 3:05:32
